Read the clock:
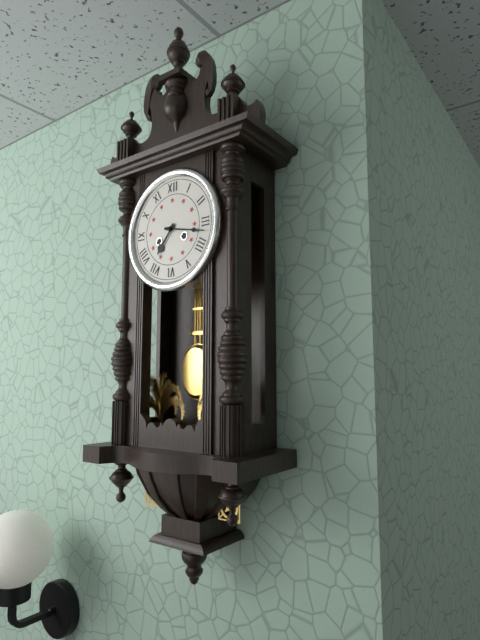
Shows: 7:17
